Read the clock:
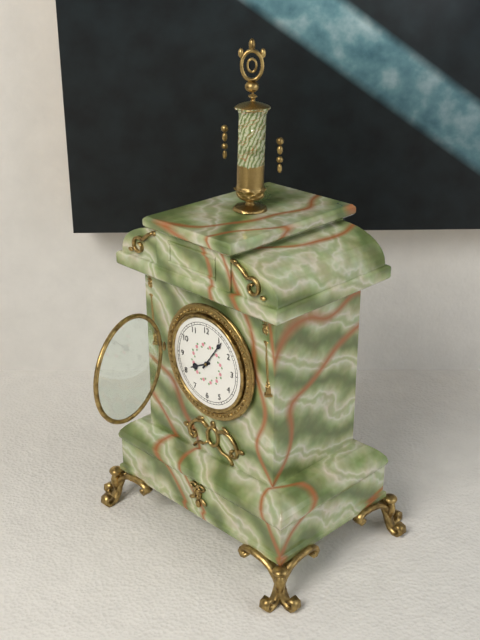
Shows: 8:06
